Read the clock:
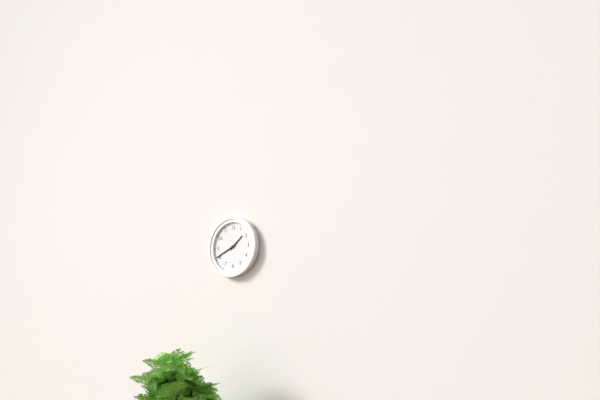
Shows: 1:41
